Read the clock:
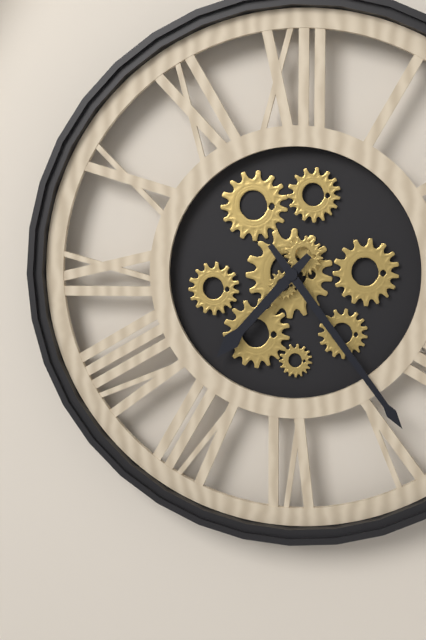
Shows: 7:24
